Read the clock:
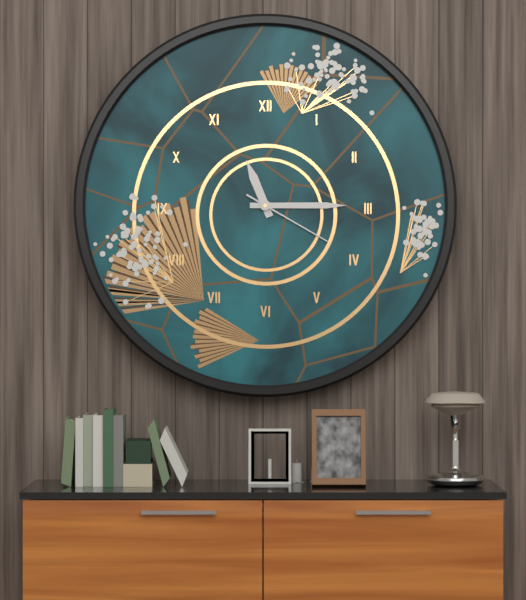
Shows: 11:15:20
